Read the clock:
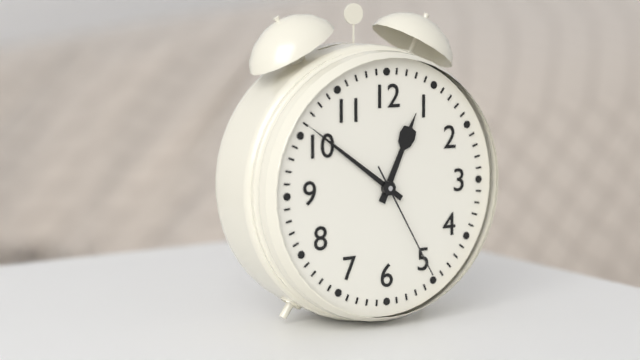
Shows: 12:51:25
